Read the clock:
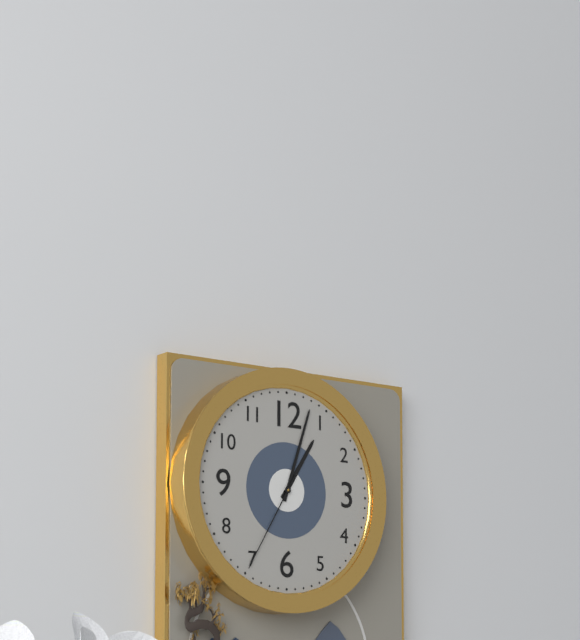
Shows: 1:03:35
